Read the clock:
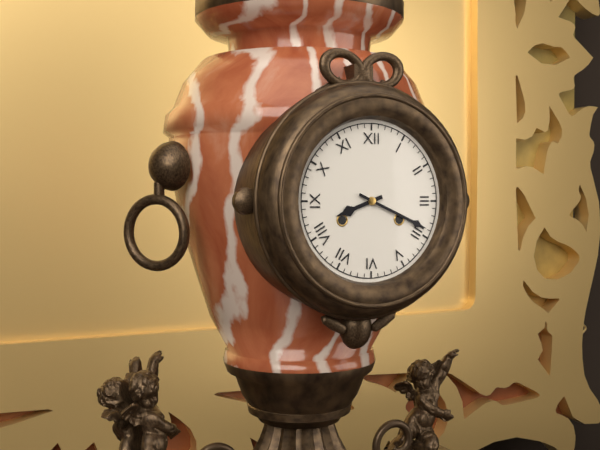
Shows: 8:19
